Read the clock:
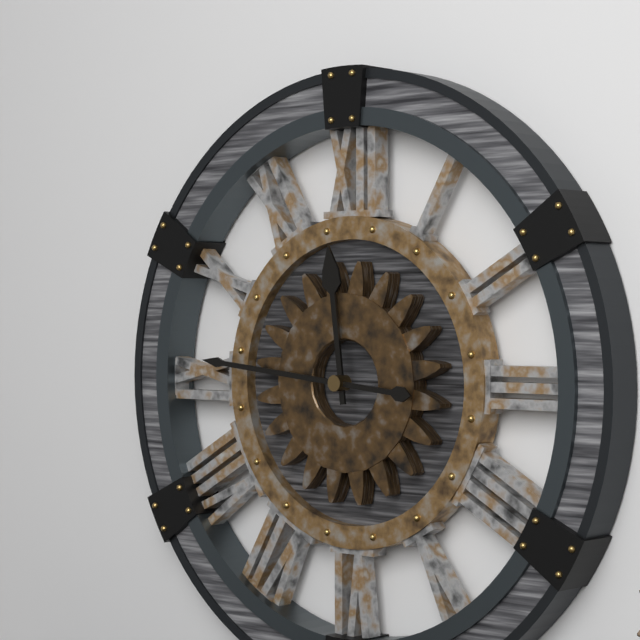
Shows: 11:46
